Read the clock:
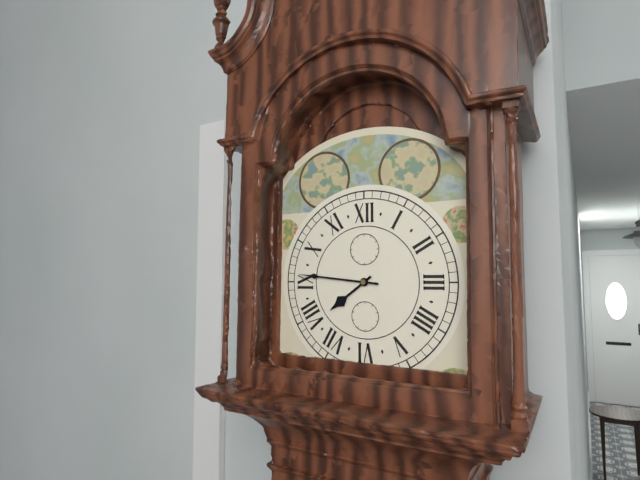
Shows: 7:46
